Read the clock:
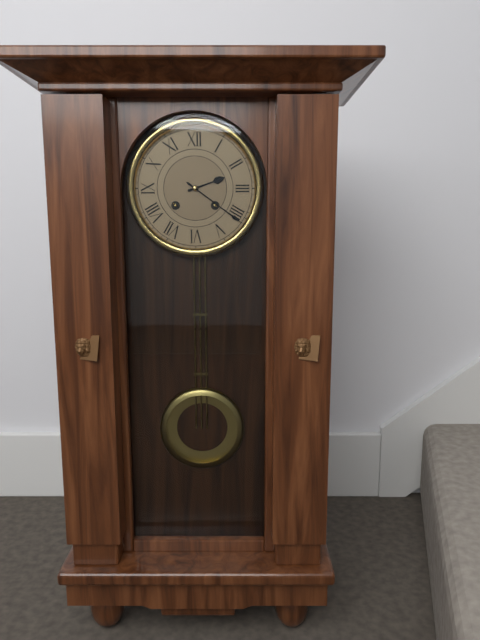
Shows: 2:21
